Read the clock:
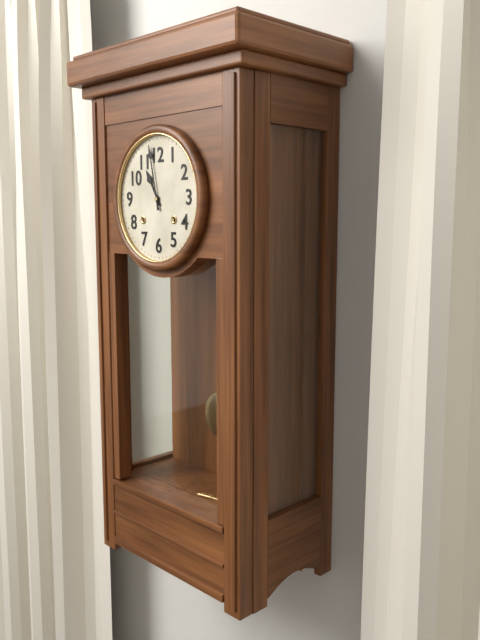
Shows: 10:58
